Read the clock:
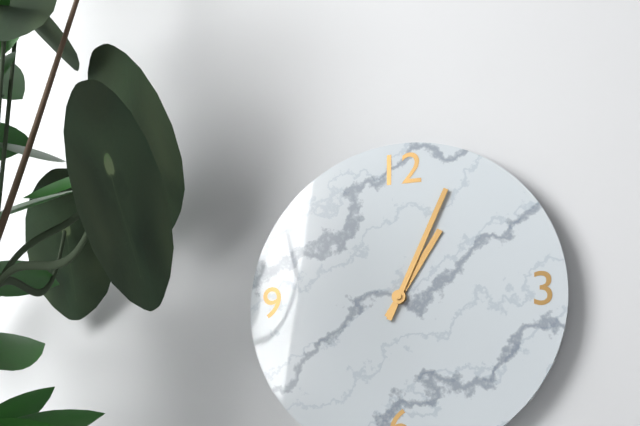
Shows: 1:04
